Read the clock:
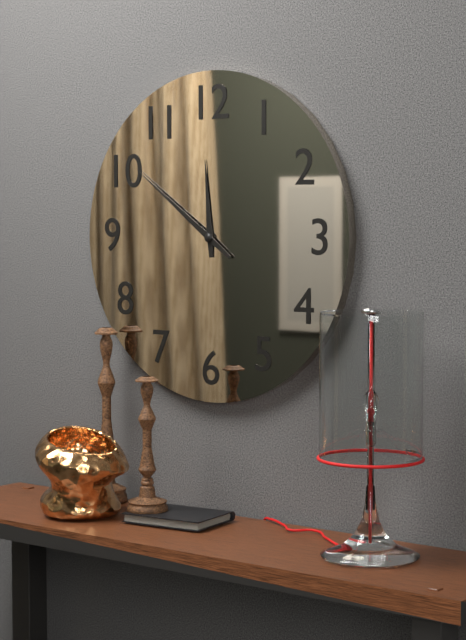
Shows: 11:51
